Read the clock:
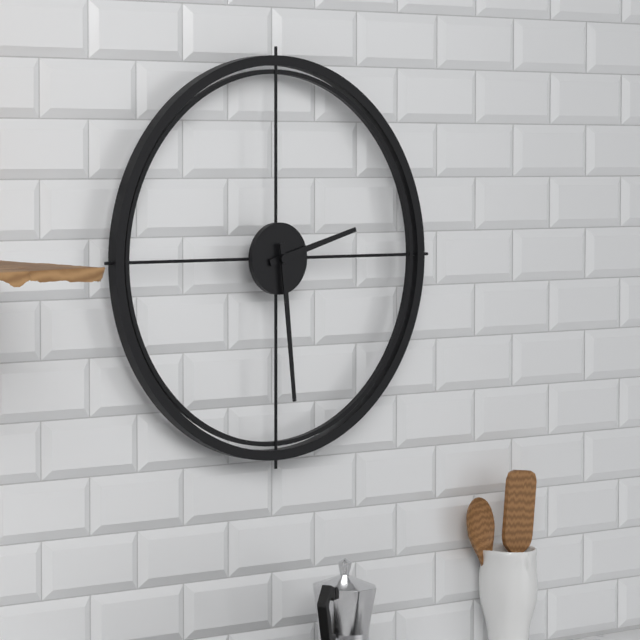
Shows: 2:29
